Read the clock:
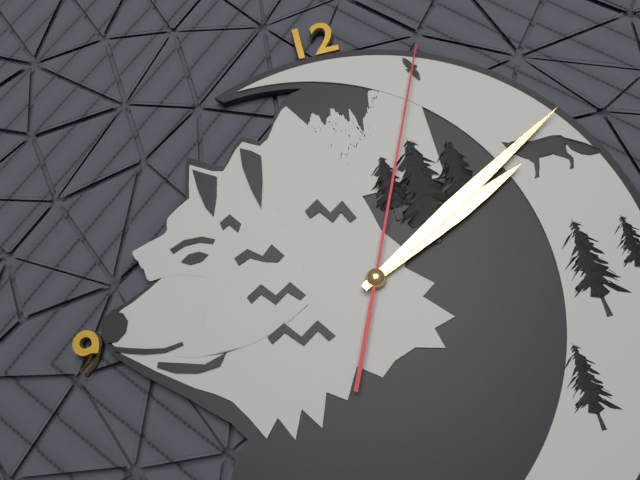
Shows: 2:10:04
